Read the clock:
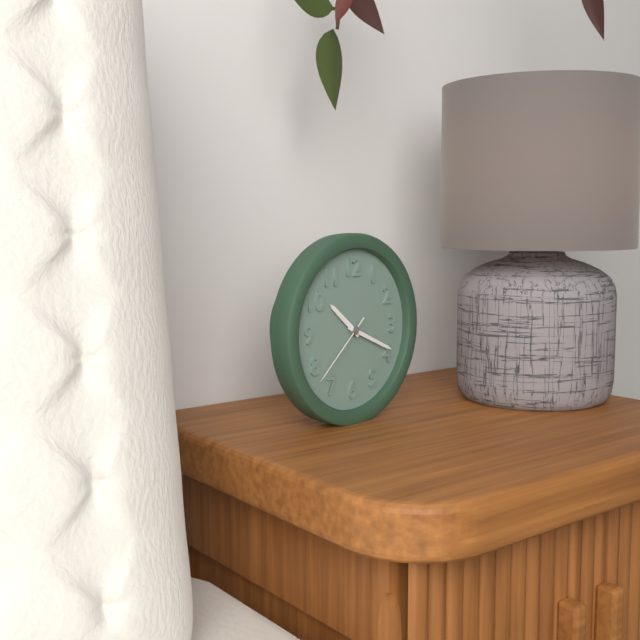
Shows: 10:19:38
